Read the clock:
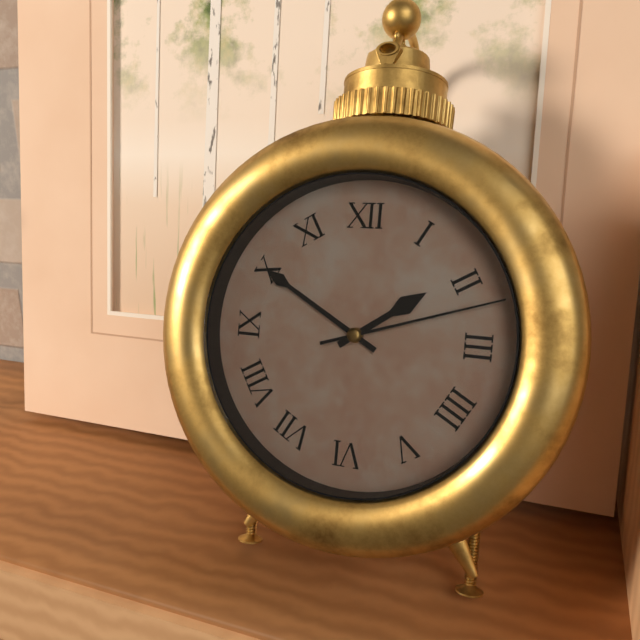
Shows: 1:50:12
